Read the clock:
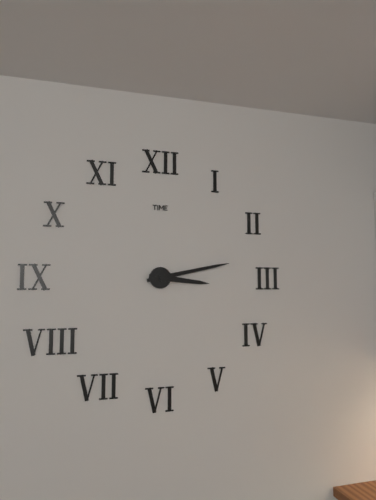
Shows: 3:13
